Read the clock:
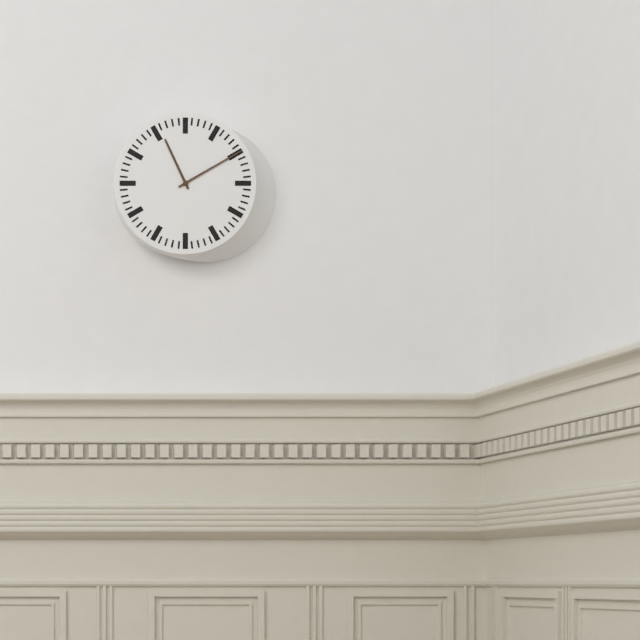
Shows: 11:10
